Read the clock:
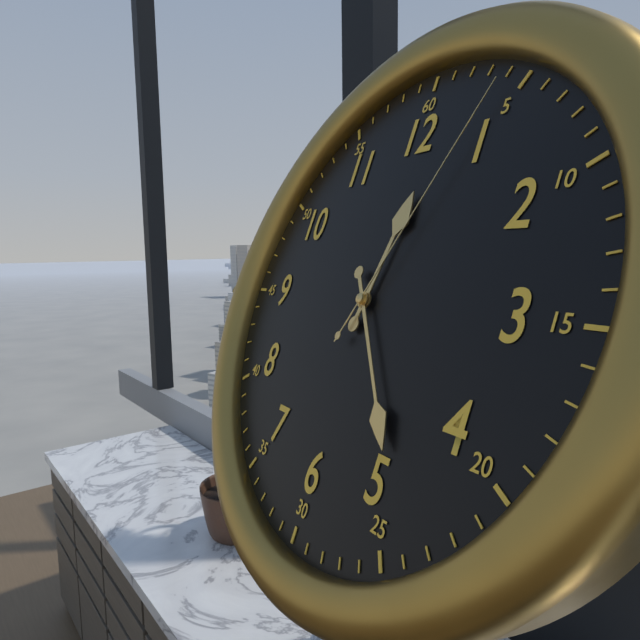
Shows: 12:24:04
